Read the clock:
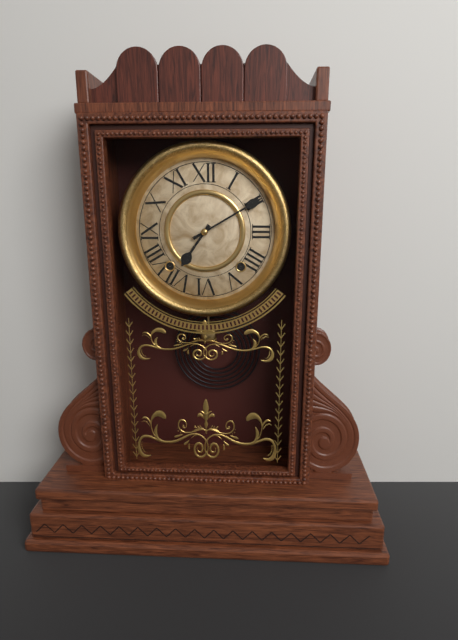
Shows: 7:10
